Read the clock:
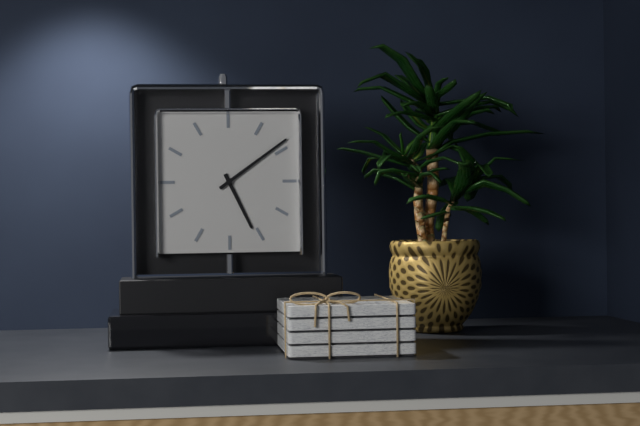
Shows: 5:09
